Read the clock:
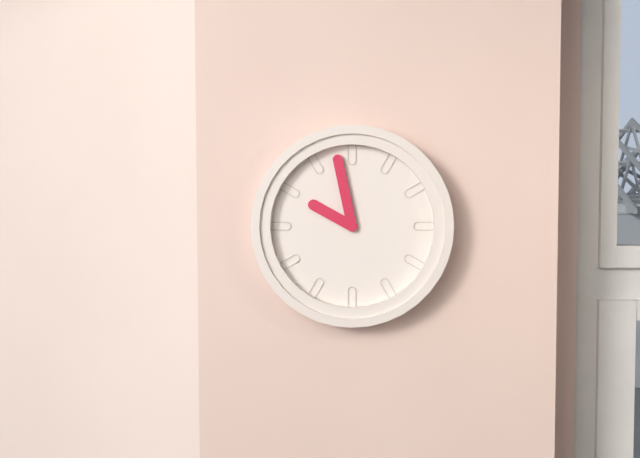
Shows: 9:58
